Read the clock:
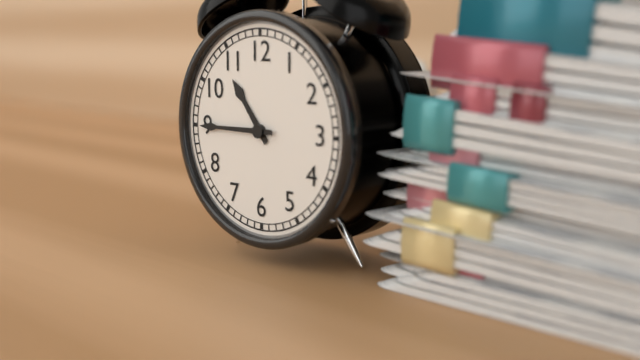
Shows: 10:45
